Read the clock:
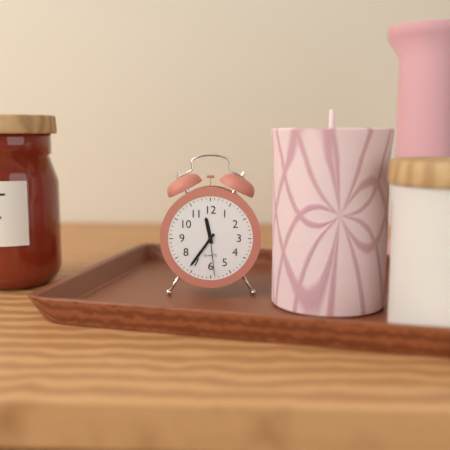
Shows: 11:36
